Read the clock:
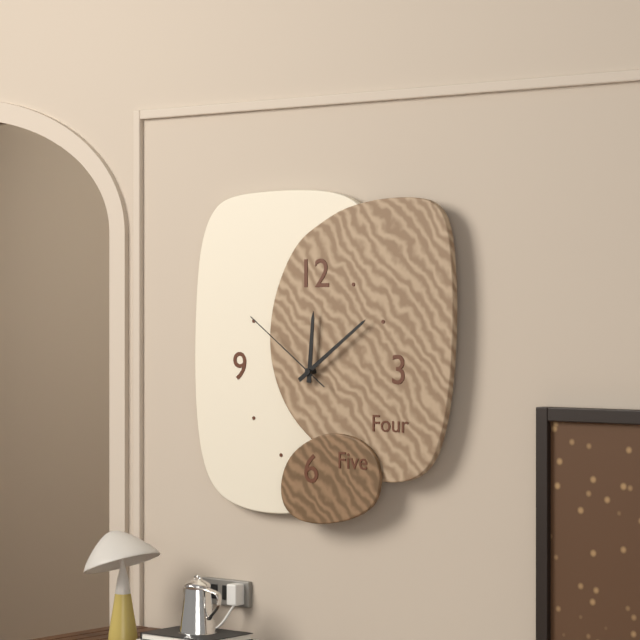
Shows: 12:09:51
